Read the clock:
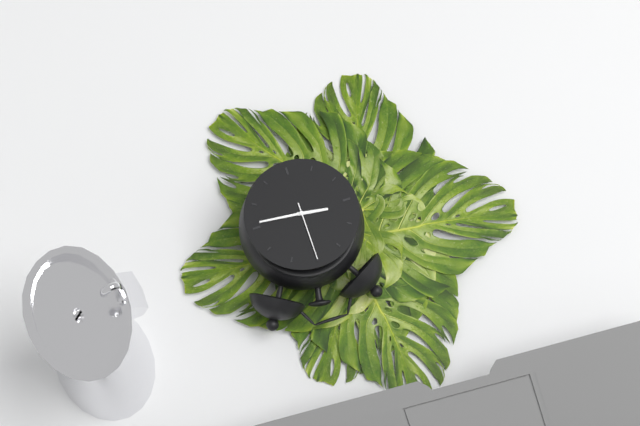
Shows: 9:16:00
